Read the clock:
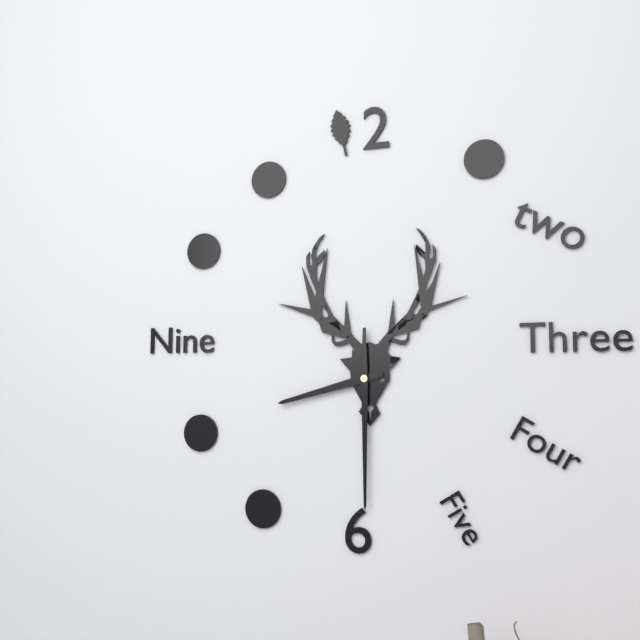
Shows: 8:30
